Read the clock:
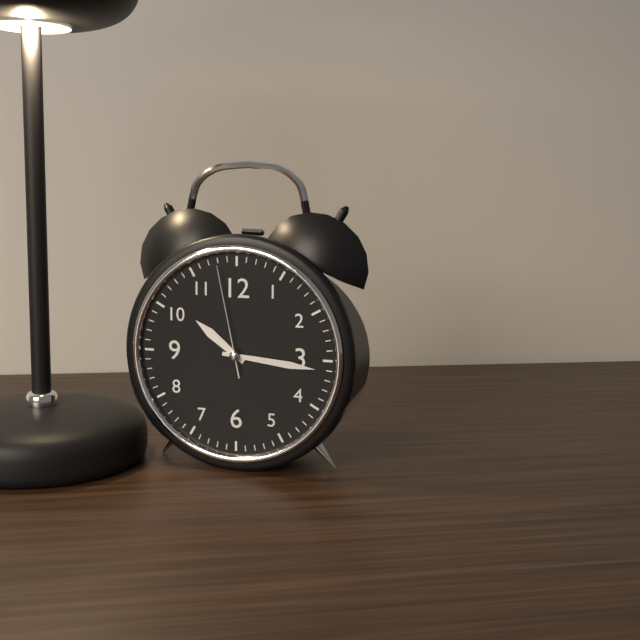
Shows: 10:16:58
